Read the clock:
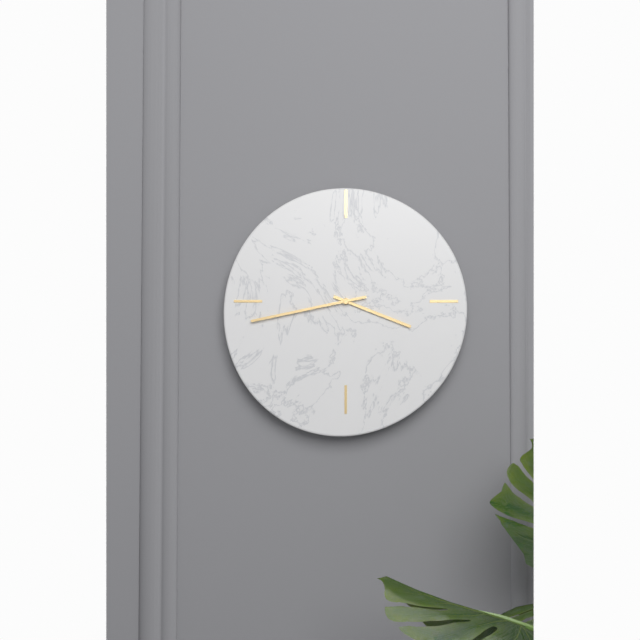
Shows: 3:43
